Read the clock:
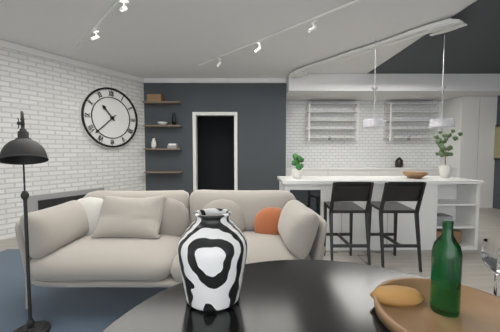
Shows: 10:38
